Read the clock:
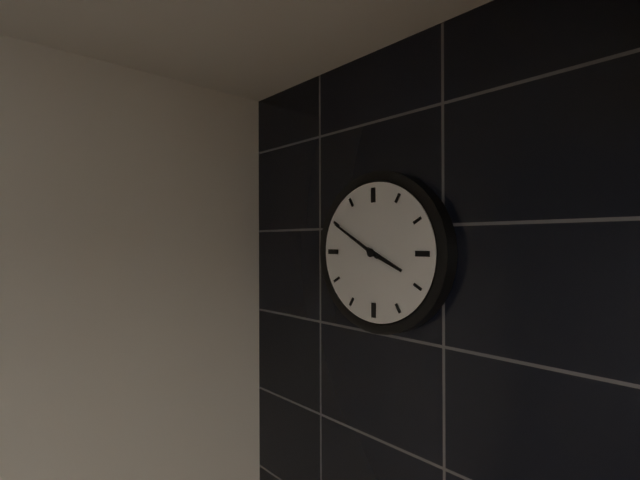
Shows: 3:50
